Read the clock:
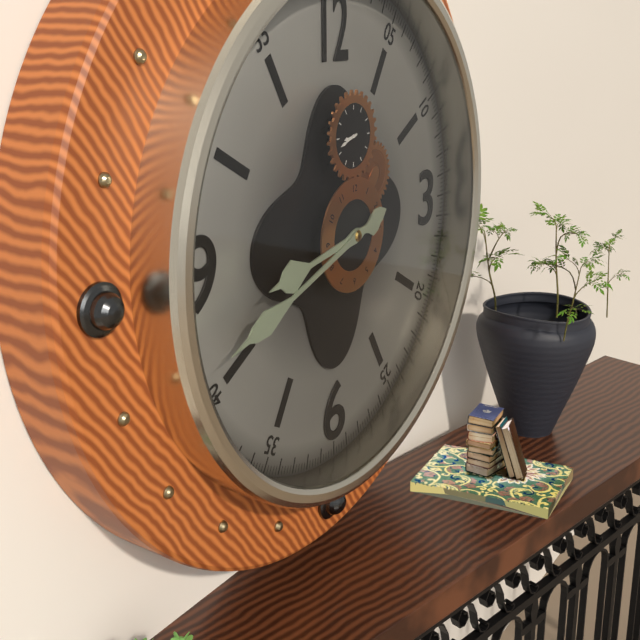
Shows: 8:42
